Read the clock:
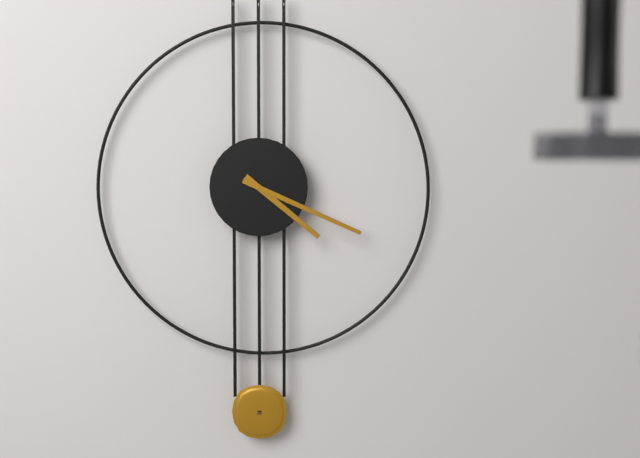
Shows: 4:19
